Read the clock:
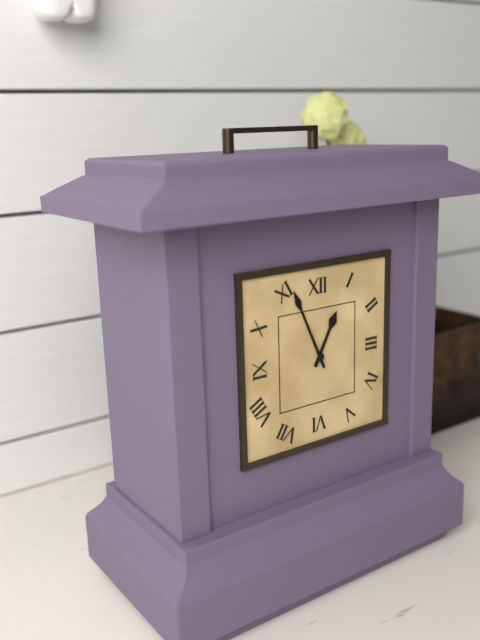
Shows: 12:56
